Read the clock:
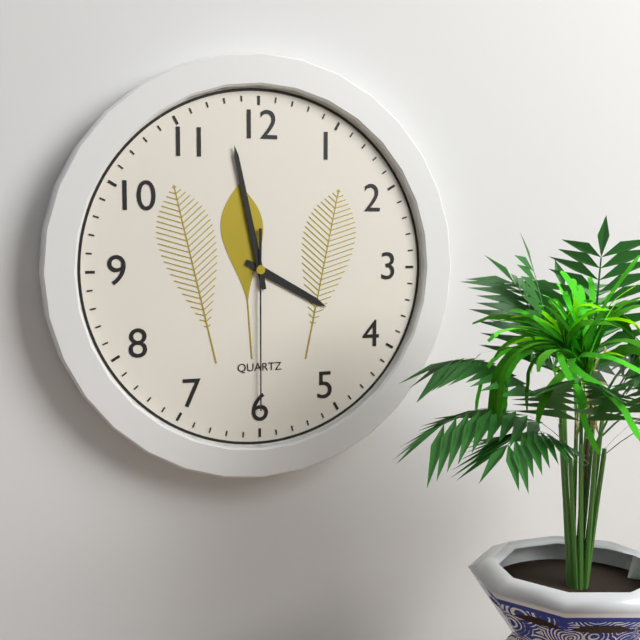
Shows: 3:58:30
